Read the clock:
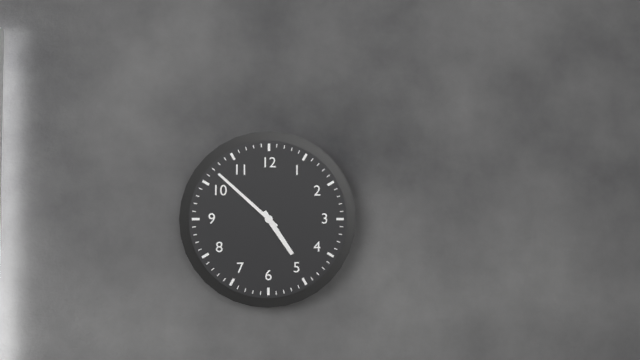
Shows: 4:52
